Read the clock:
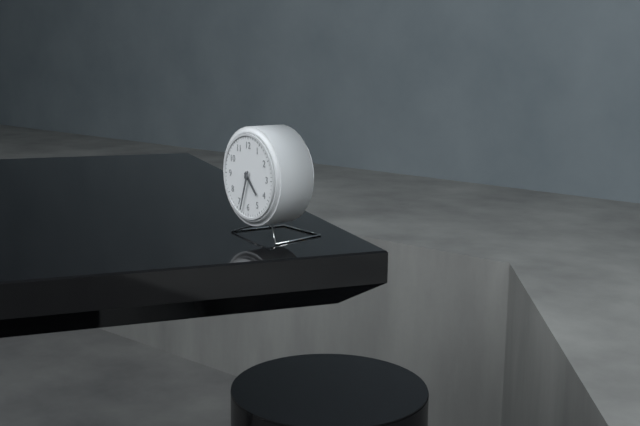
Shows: 4:33
